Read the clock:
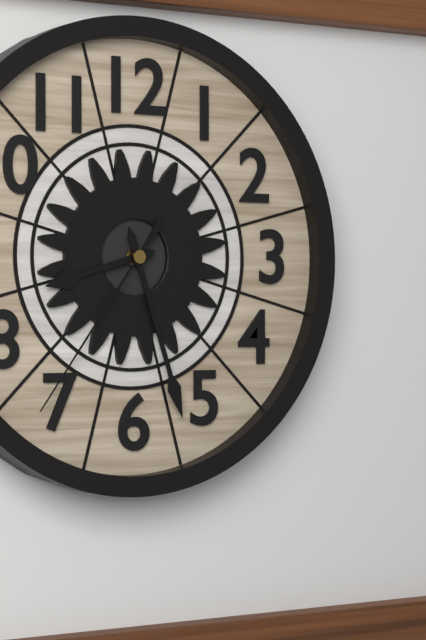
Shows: 8:27:36
